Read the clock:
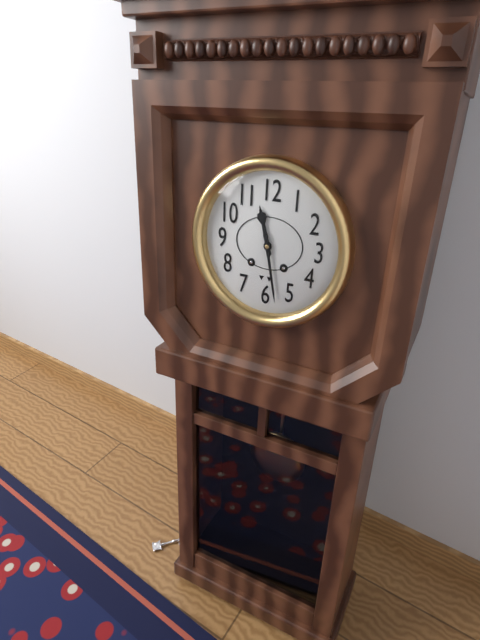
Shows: 11:28
